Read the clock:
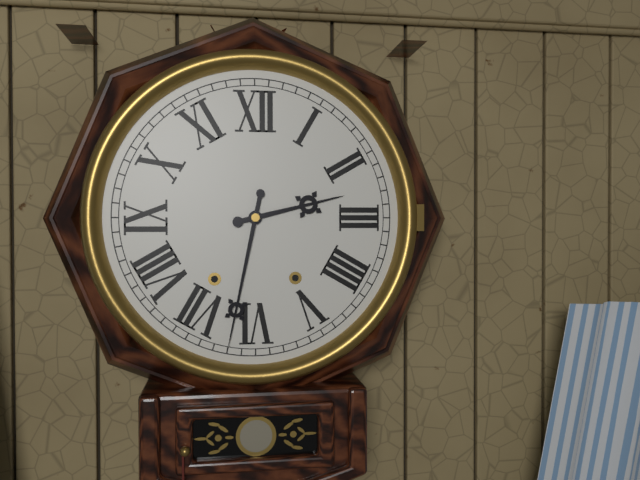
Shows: 2:32
